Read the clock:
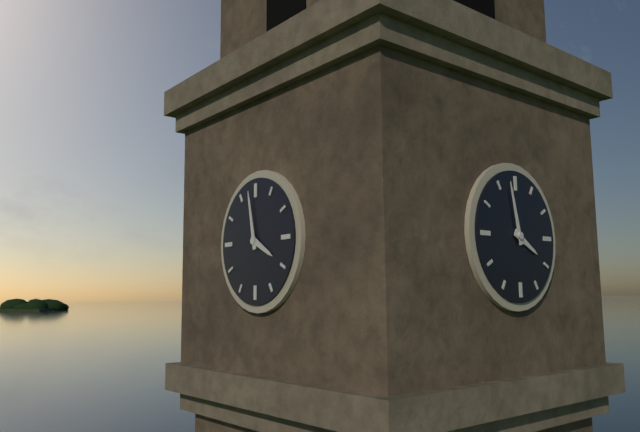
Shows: 3:58
